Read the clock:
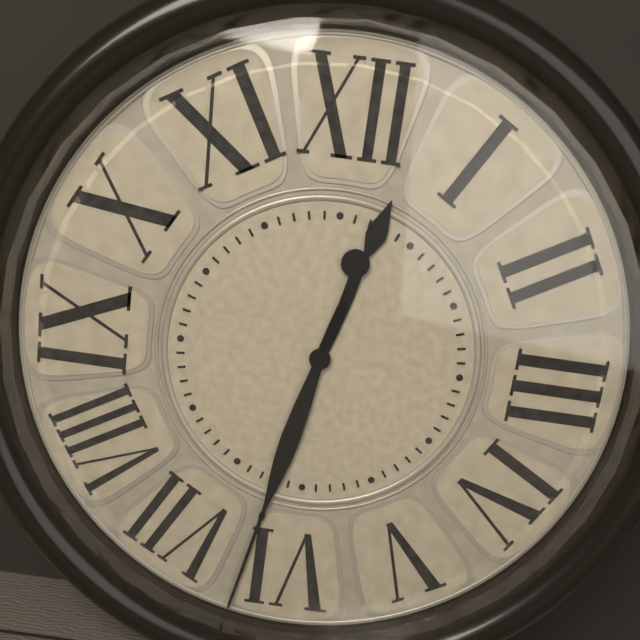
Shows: 12:32
